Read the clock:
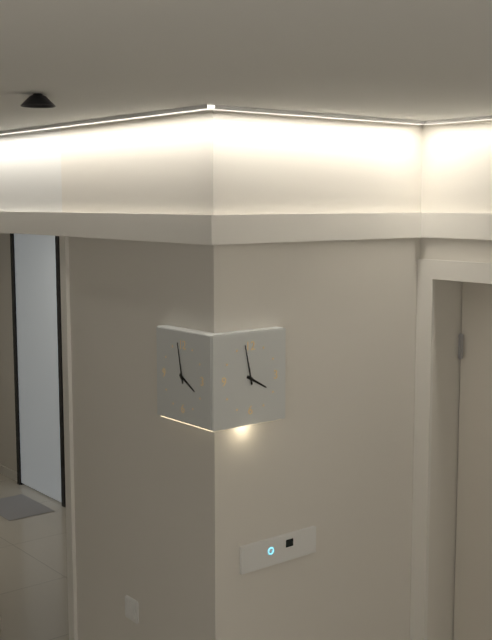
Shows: 3:58
